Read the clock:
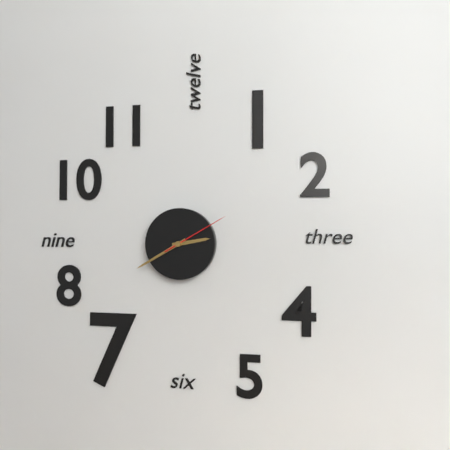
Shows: 2:40:10
